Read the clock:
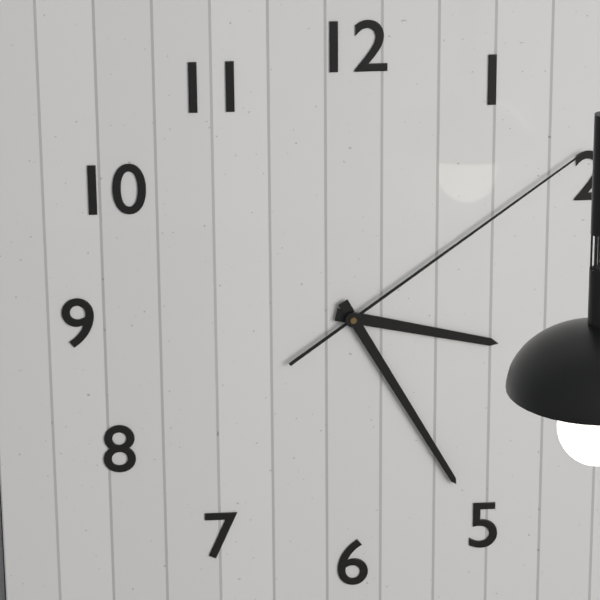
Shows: 3:25:09
